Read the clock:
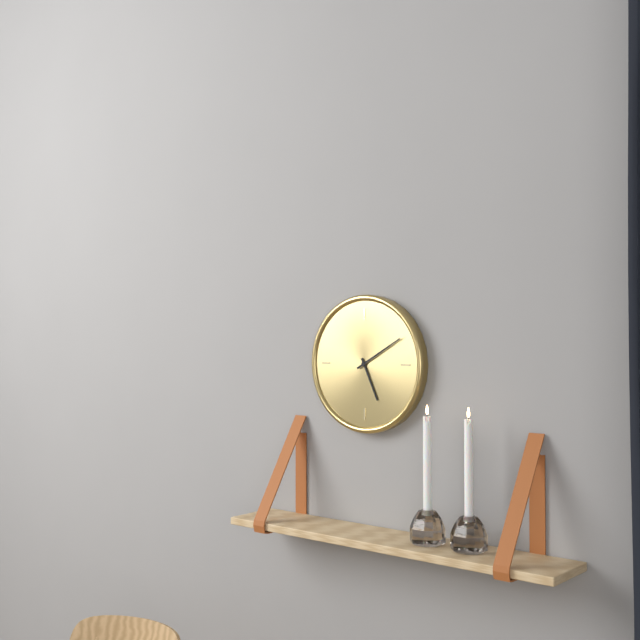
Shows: 5:10
